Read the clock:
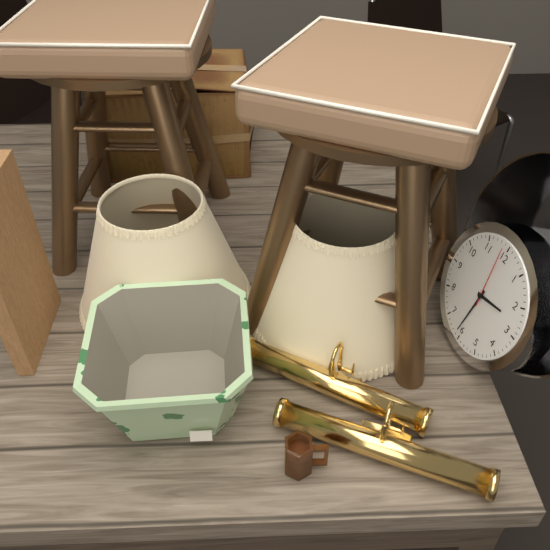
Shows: 2:31:59
